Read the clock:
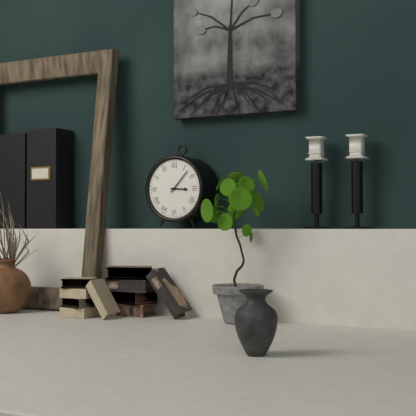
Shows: 3:07
